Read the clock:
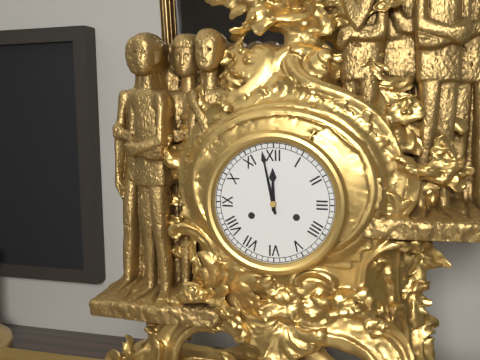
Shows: 11:58
